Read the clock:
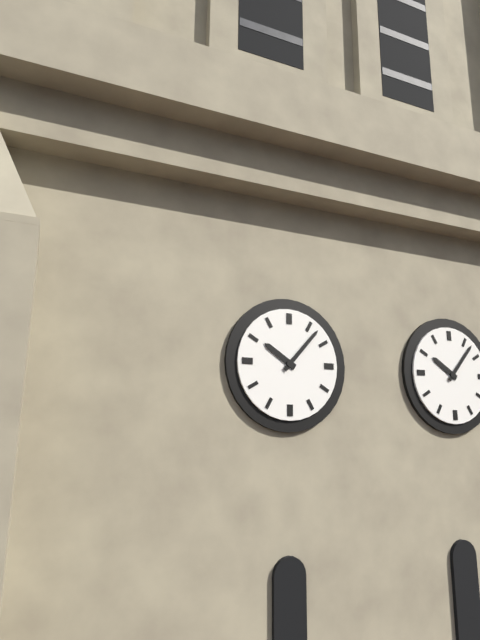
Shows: 10:07
